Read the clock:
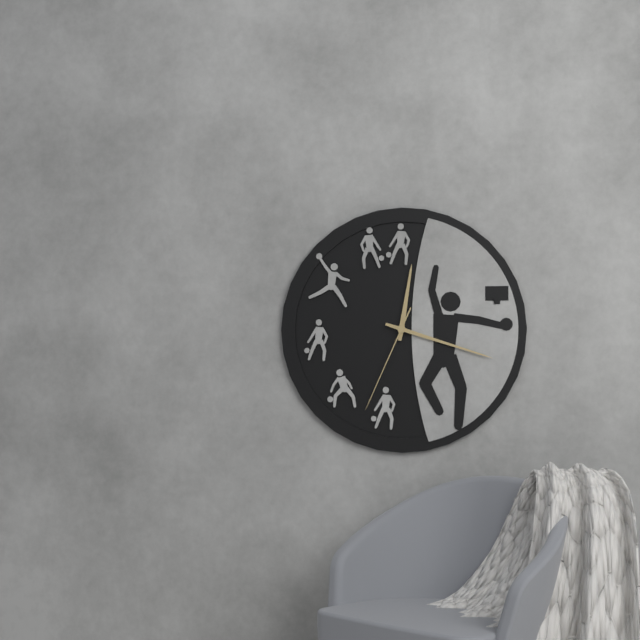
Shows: 12:18:34
